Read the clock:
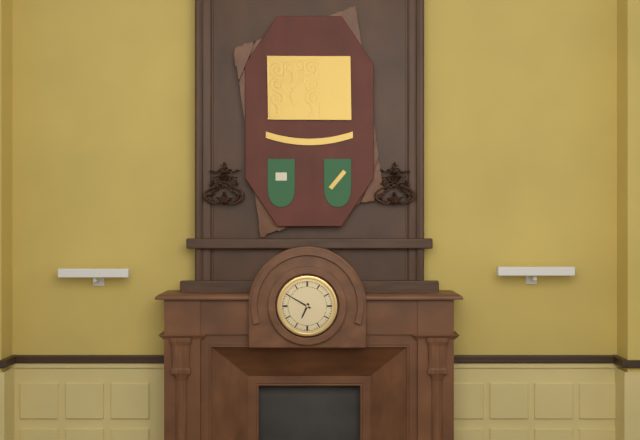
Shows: 6:50
